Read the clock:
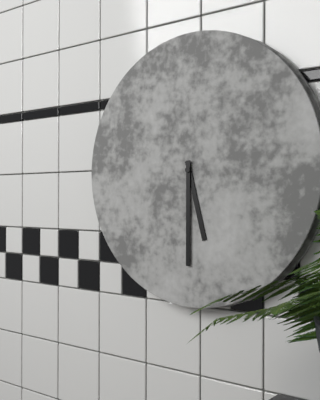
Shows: 5:30
